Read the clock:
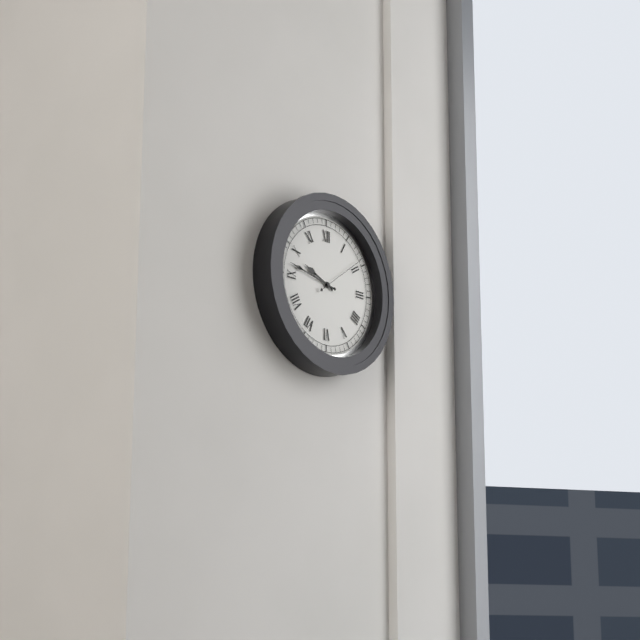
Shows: 9:47
